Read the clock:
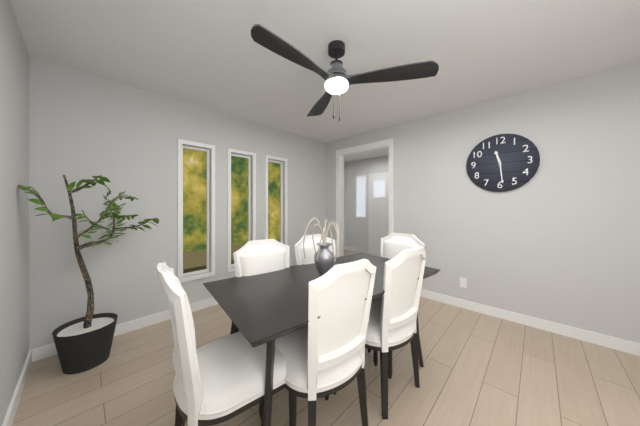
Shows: 11:29
